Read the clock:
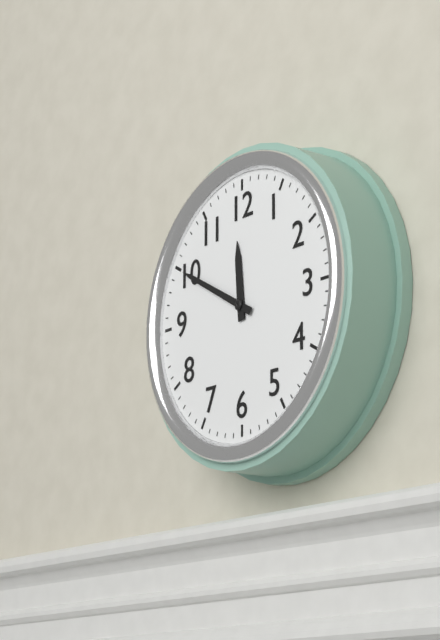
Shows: 11:50
